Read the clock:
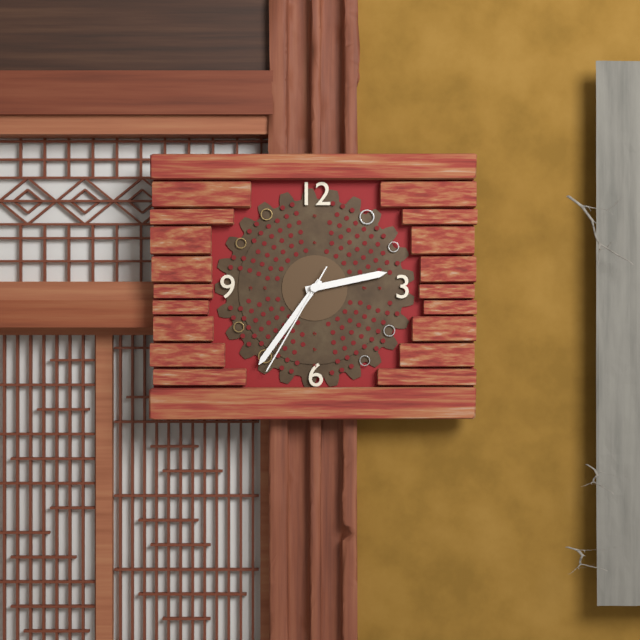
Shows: 2:36:35
